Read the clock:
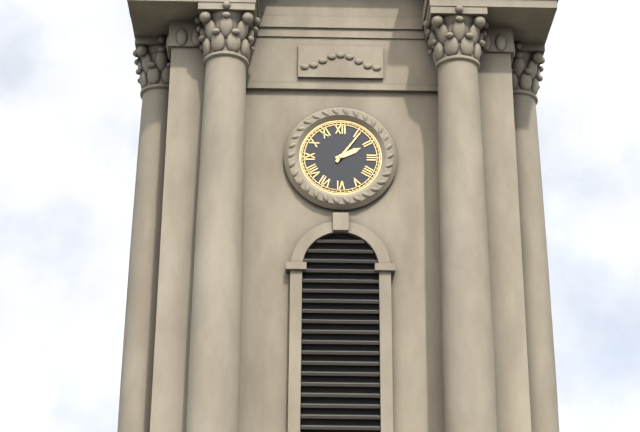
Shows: 2:06
